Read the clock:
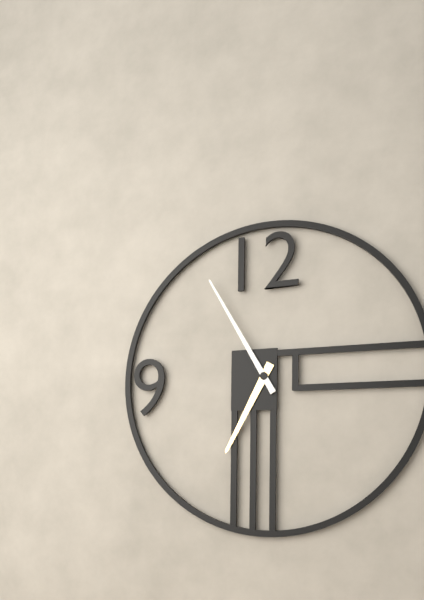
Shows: 6:55
